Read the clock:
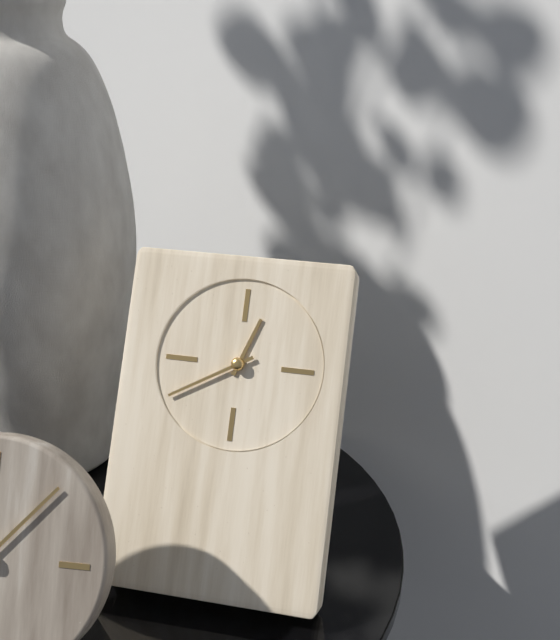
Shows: 12:40
